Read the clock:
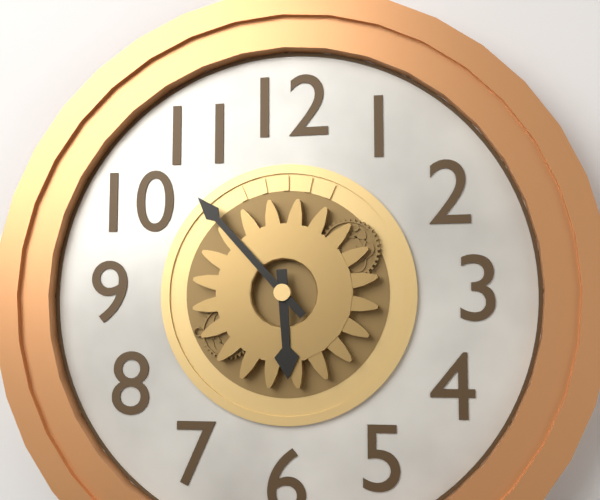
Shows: 5:53
